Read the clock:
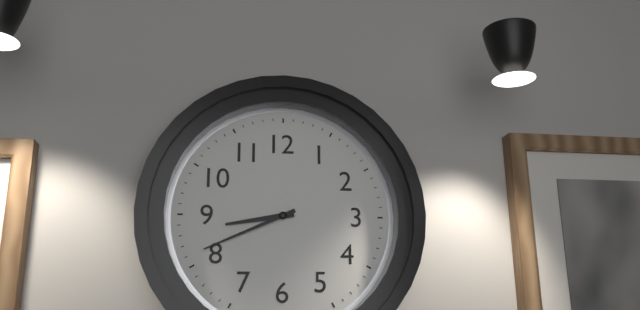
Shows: 8:41
